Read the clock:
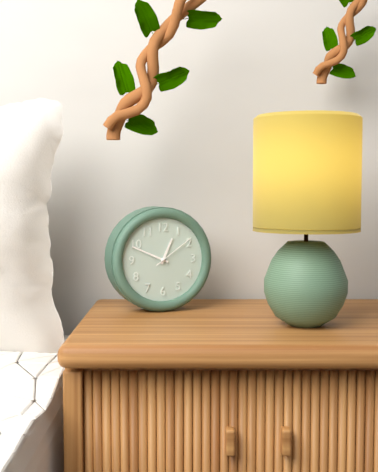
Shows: 12:49
